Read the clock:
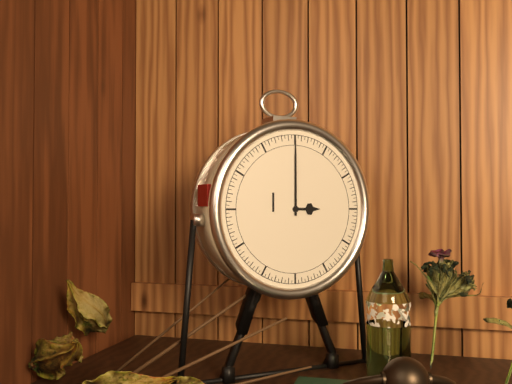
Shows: 3:00
